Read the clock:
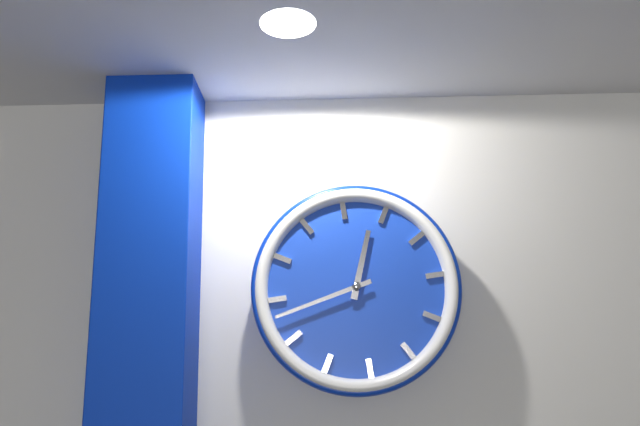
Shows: 12:43
